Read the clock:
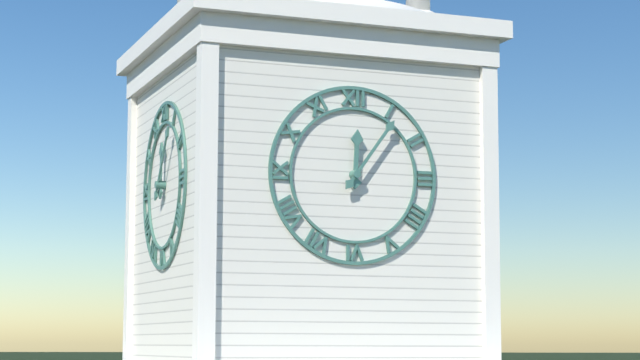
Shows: 12:06
